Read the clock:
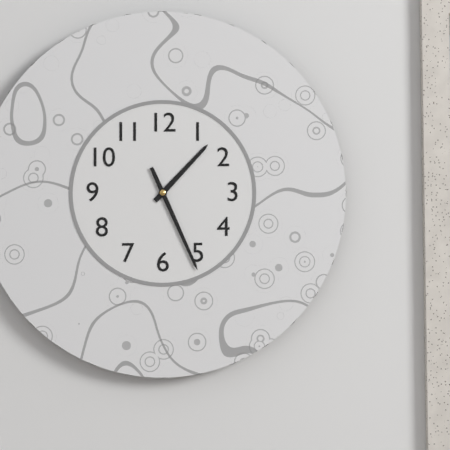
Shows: 1:26
